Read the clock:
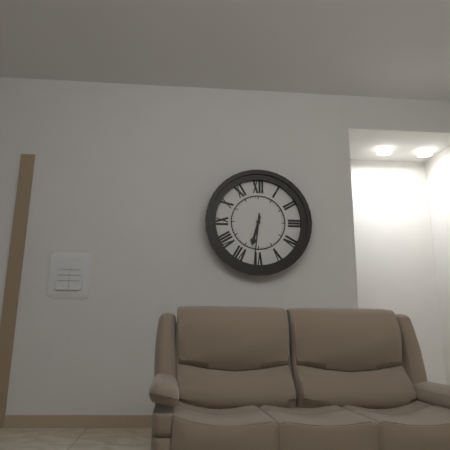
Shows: 6:31
